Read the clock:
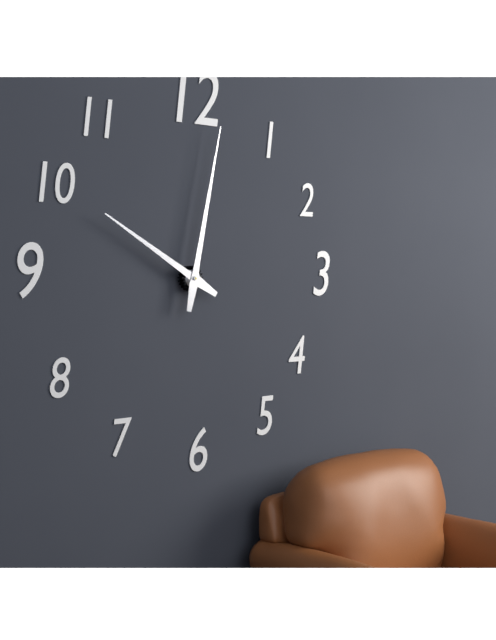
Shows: 10:02
